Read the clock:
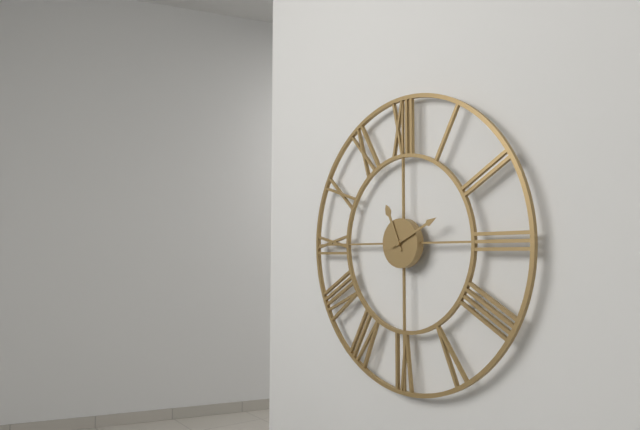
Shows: 11:11
